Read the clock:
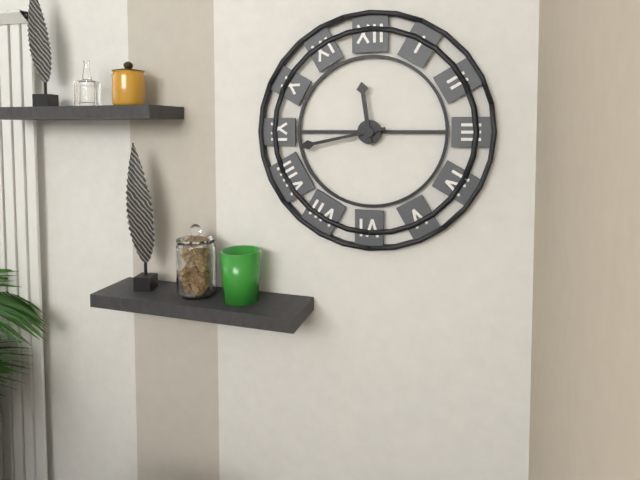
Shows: 11:43
